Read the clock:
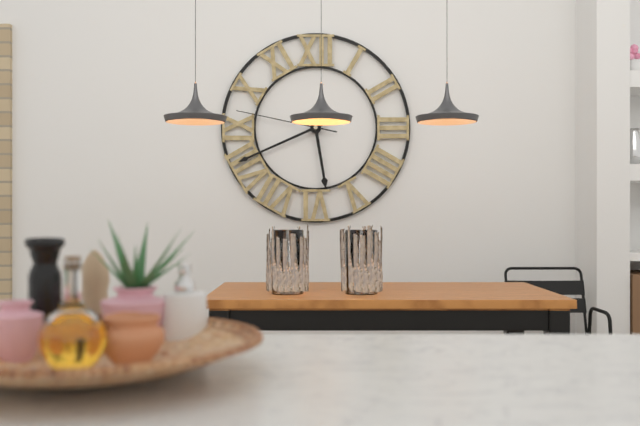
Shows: 5:41:47
